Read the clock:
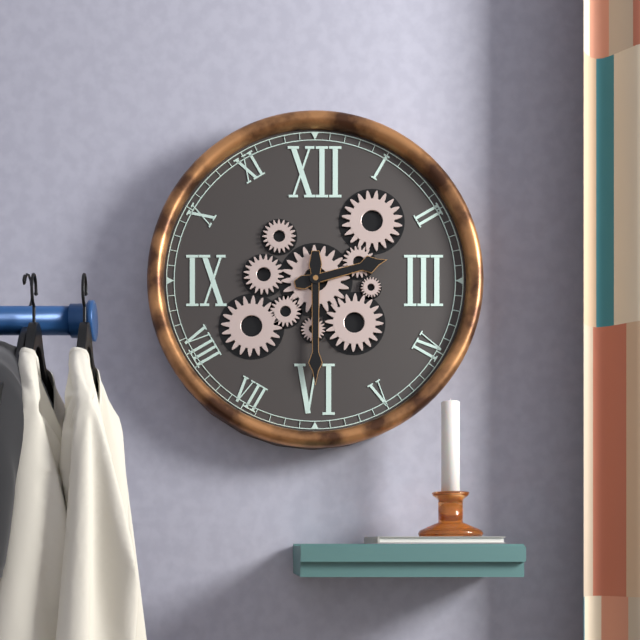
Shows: 2:30
